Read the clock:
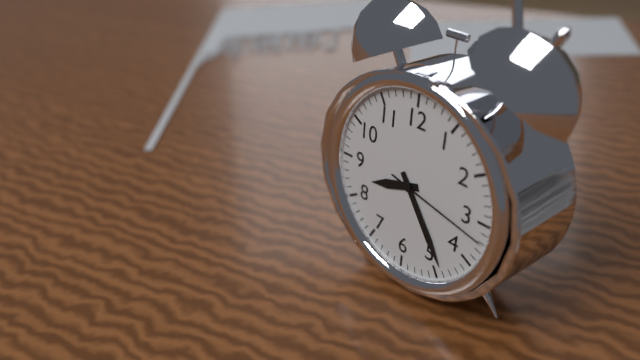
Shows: 8:24:17
